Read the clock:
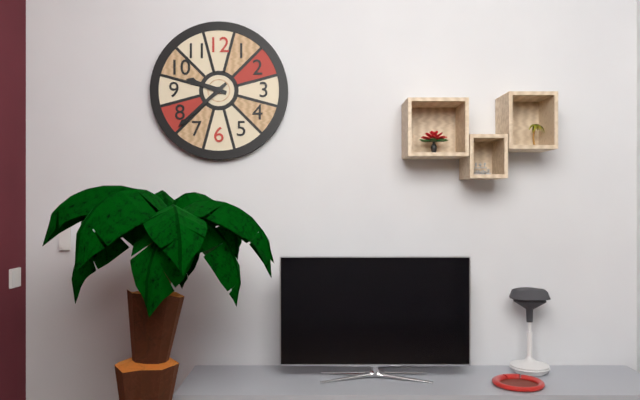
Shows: 9:38
